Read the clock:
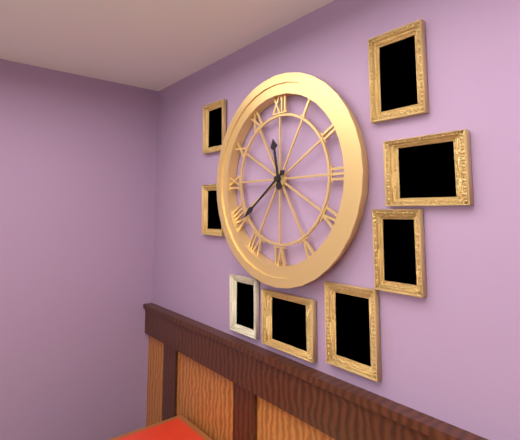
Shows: 11:39
